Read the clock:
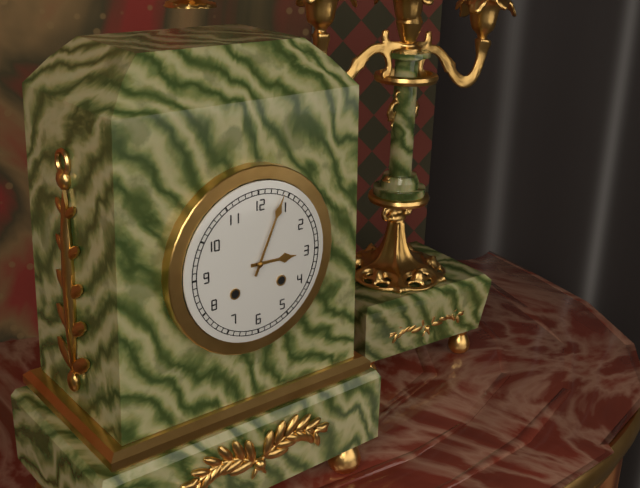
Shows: 3:04
